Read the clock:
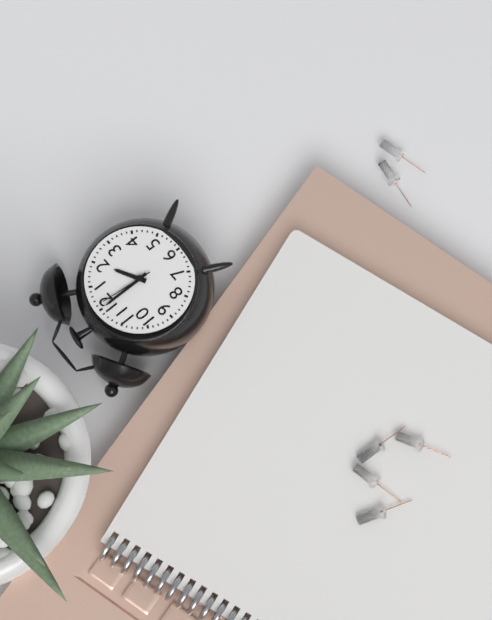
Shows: 2:00:01
